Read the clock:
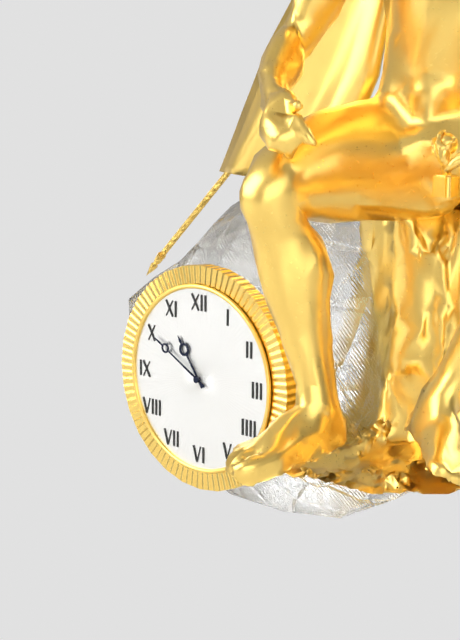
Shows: 10:50
